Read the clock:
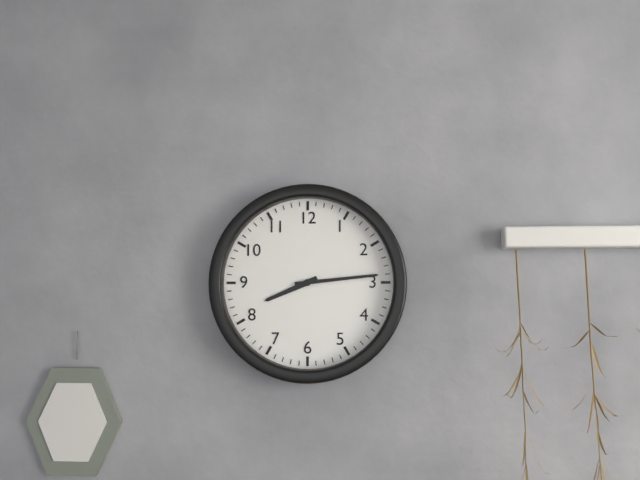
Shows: 8:14
